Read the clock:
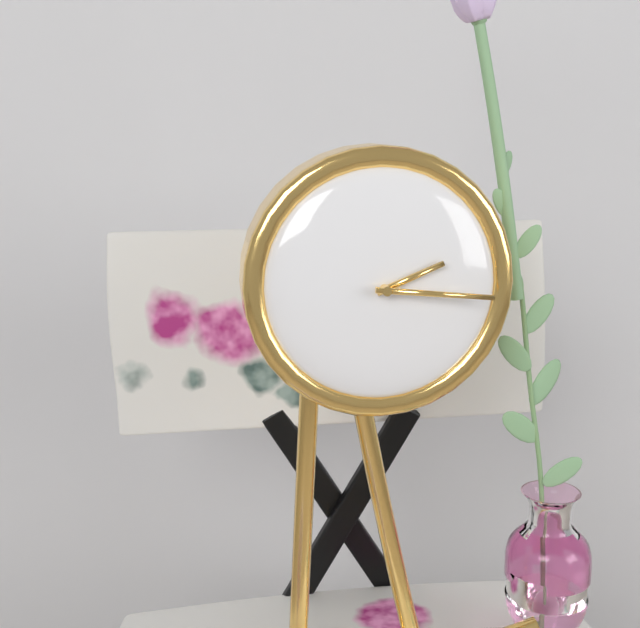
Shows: 2:16
